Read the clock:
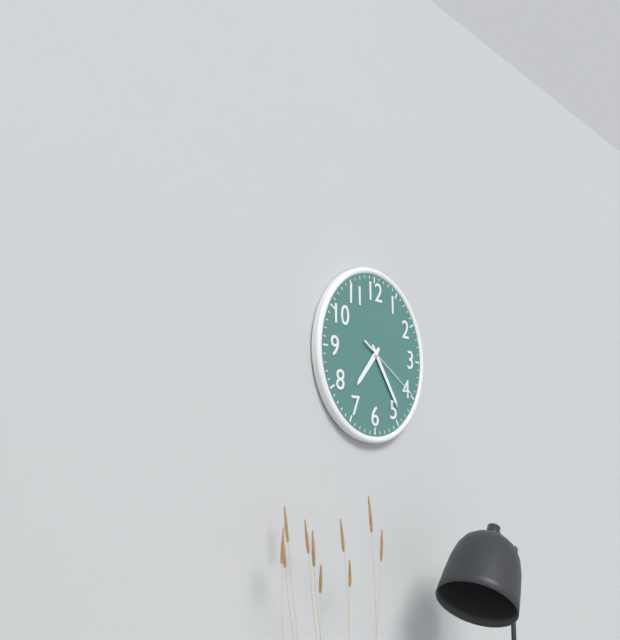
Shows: 7:24:20
